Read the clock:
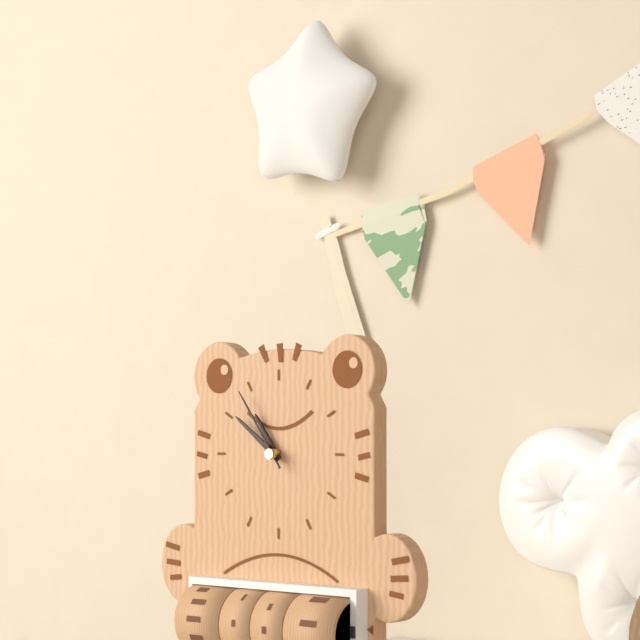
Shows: 10:51:54
